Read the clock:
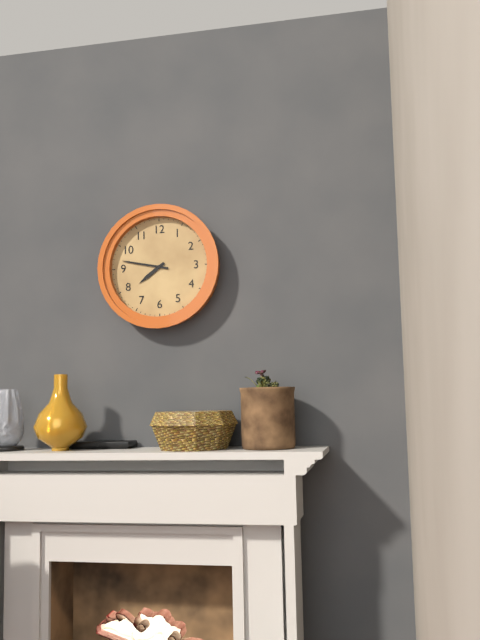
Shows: 7:47
